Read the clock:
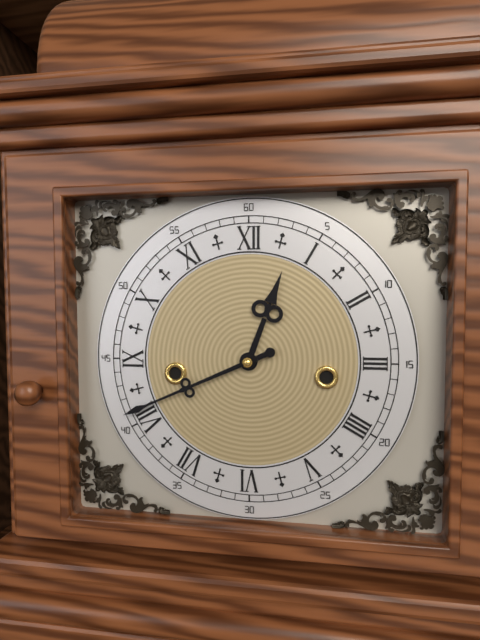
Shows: 12:41
